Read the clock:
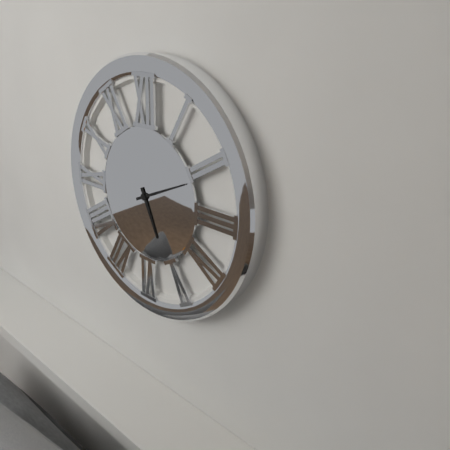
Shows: 5:11
